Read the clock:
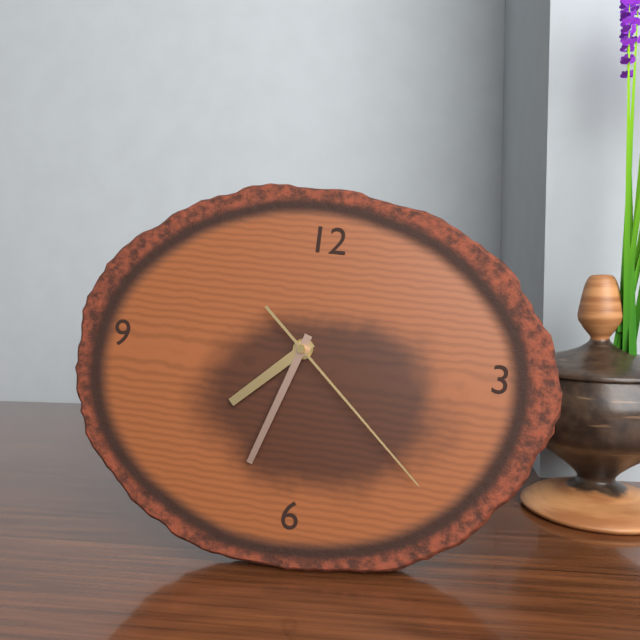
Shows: 7:33:22
